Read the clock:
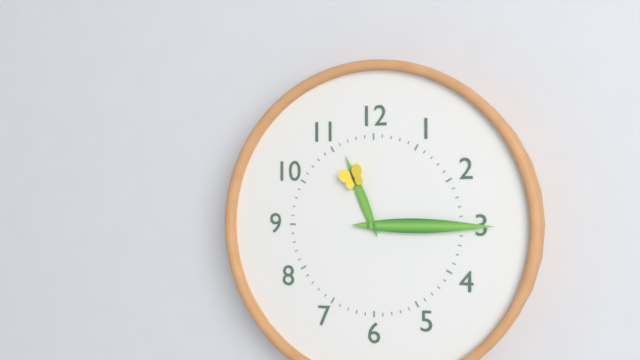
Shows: 11:15
